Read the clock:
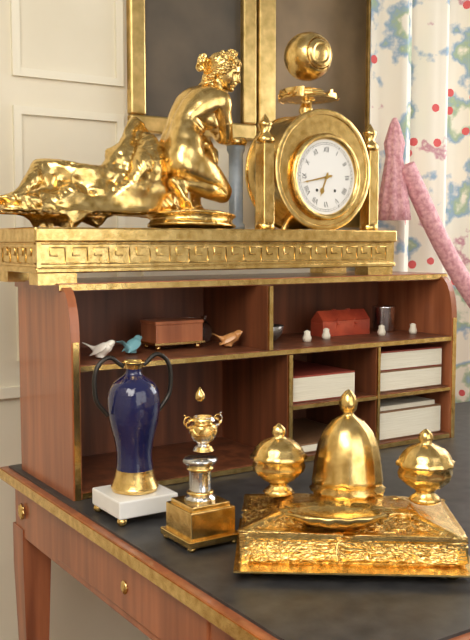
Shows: 6:43
